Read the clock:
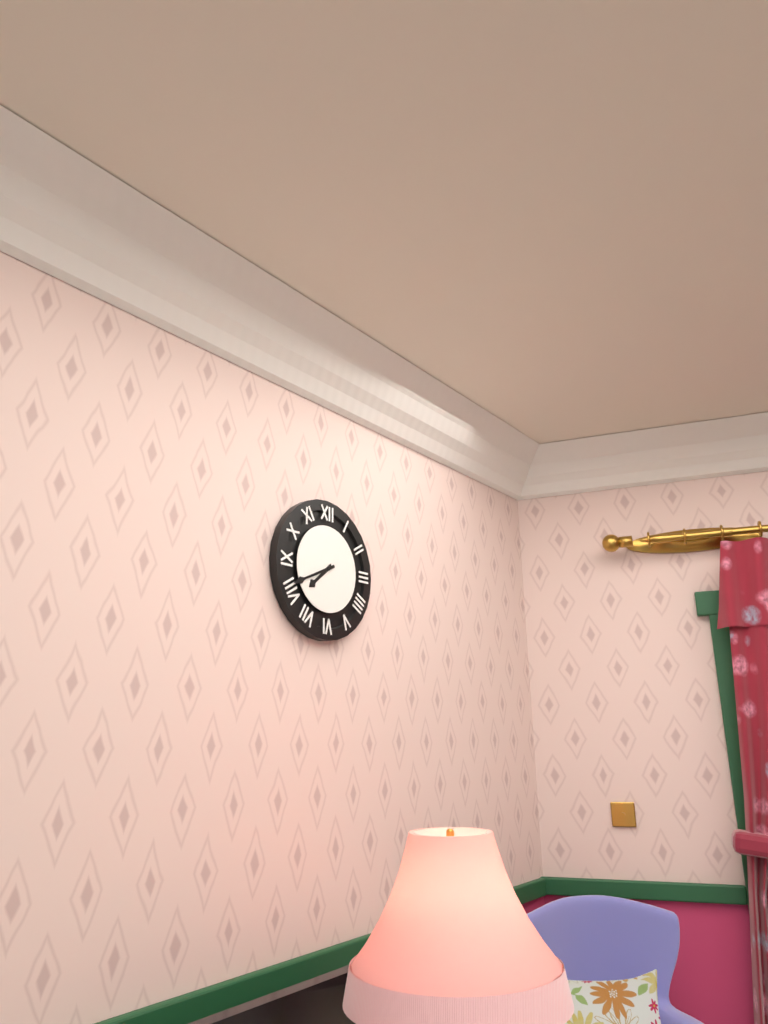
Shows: 7:41
